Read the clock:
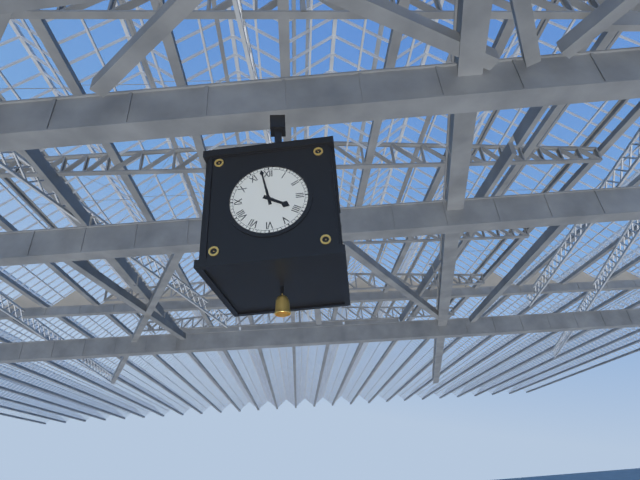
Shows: 3:58
